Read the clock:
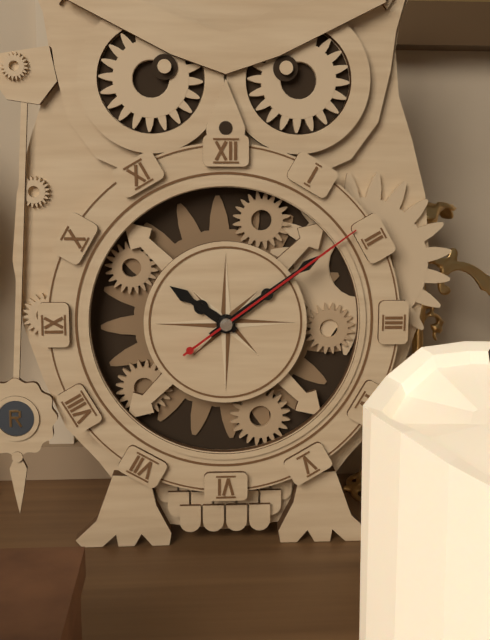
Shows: 10:09:09
